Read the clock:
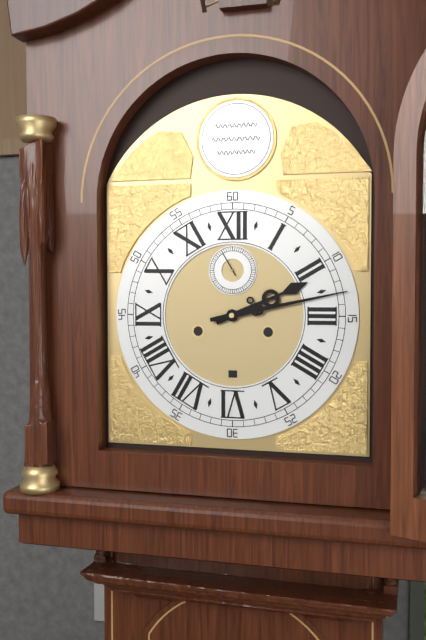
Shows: 2:13
